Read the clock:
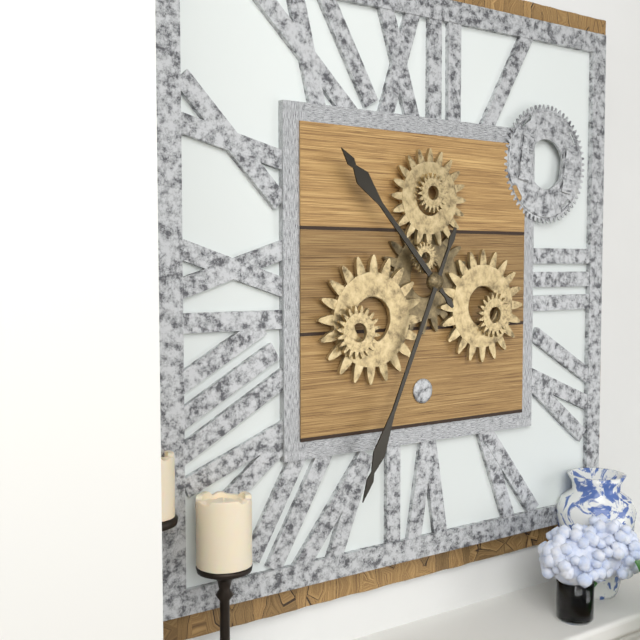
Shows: 10:34
